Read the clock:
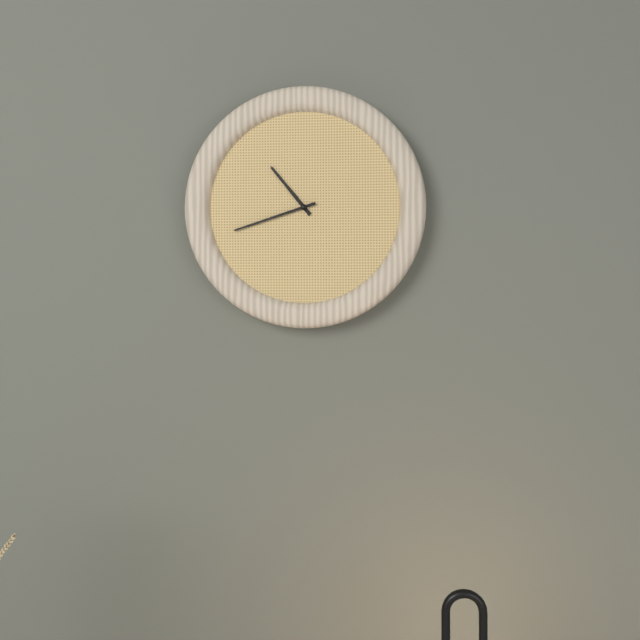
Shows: 10:42
